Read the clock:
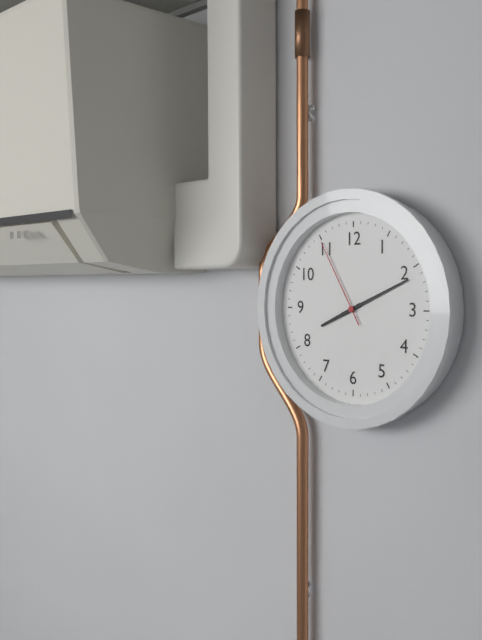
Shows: 8:11:55
